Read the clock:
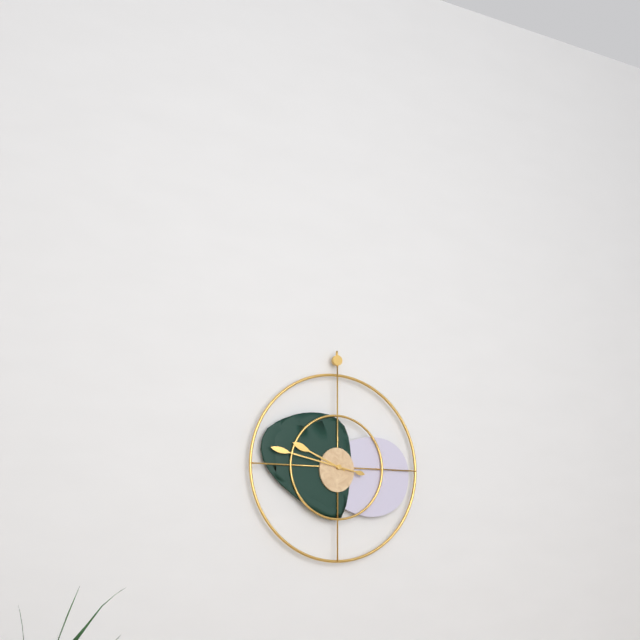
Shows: 9:47
